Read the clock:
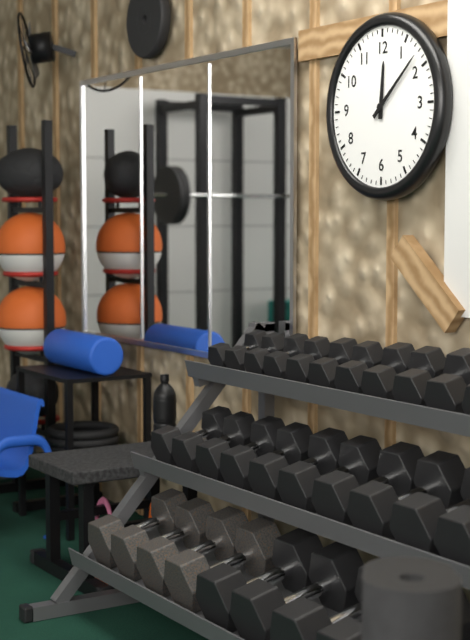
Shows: 12:08
